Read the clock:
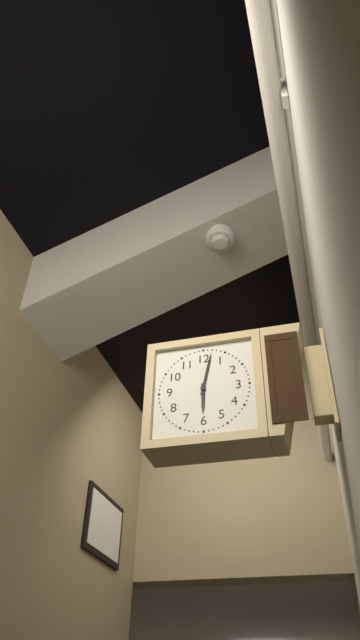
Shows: 6:02
